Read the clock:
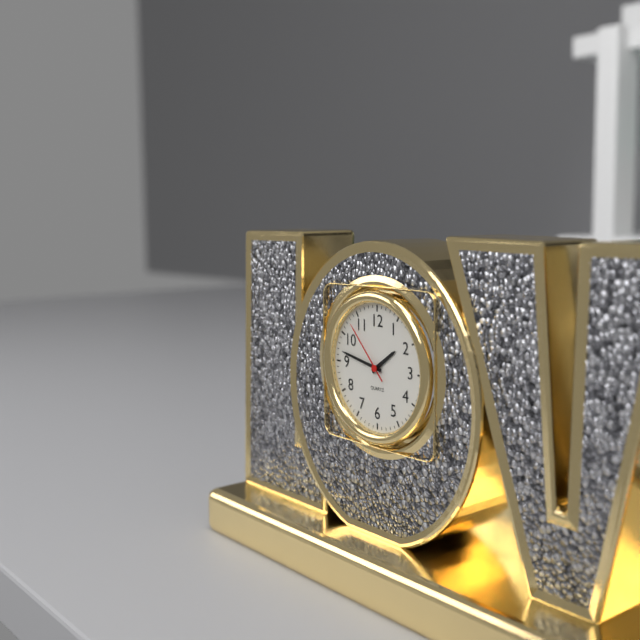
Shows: 1:47:53
